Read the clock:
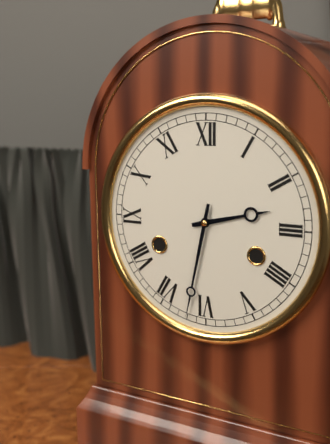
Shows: 2:32
